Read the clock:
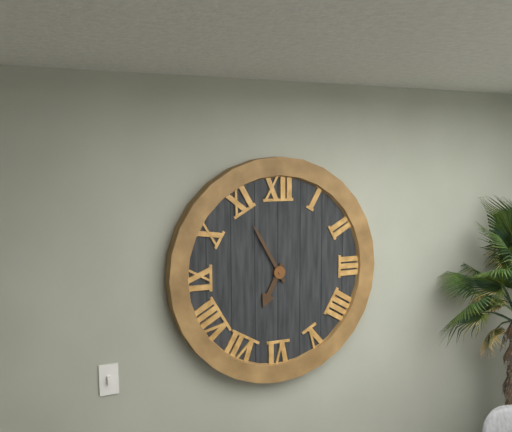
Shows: 6:55
